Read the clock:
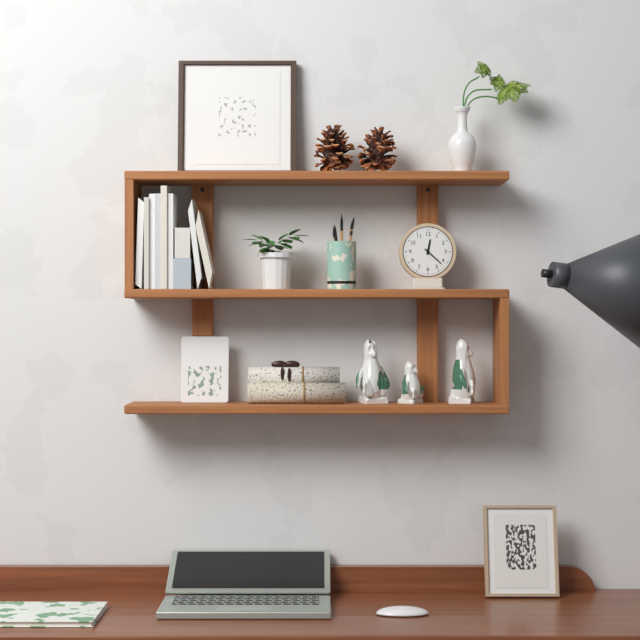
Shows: 12:22
